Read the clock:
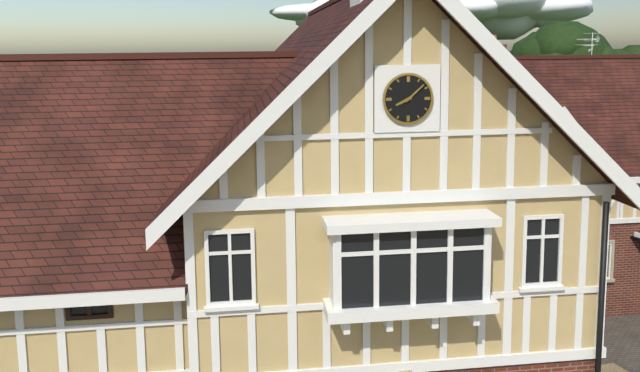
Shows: 8:08
